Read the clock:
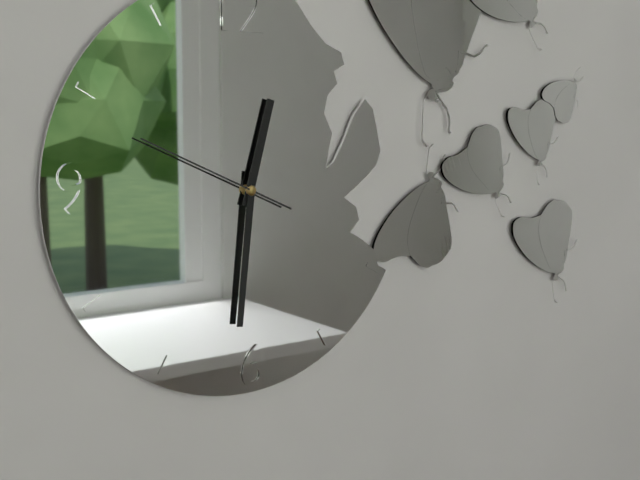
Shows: 12:31:49
